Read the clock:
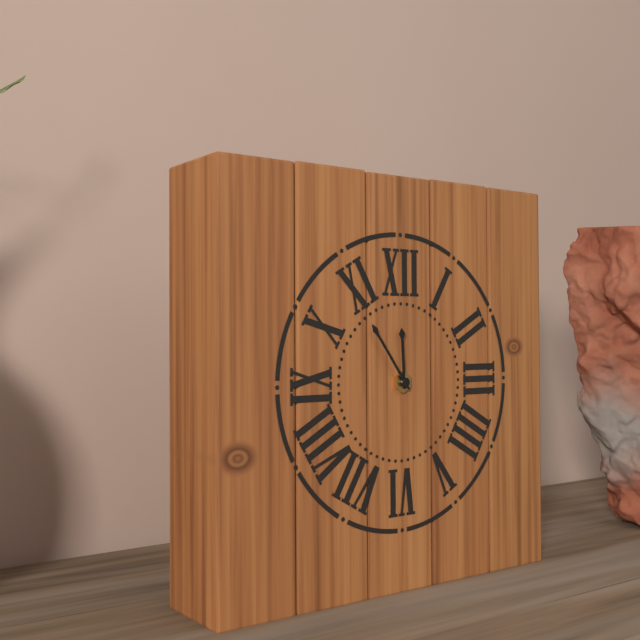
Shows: 11:54
